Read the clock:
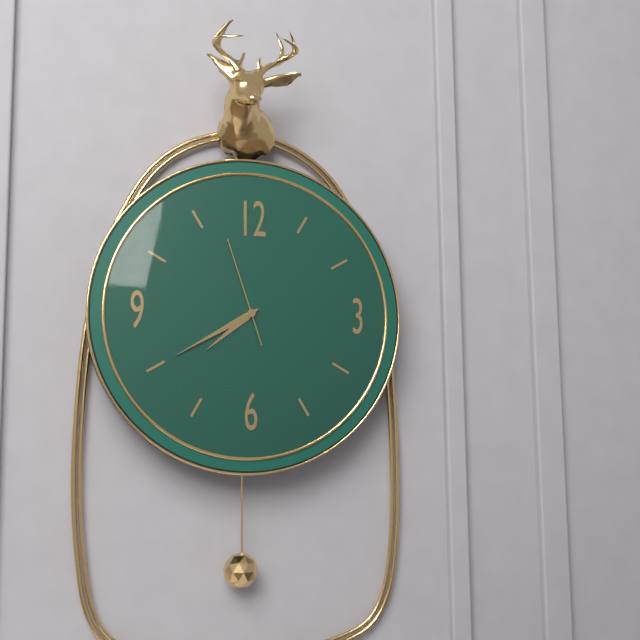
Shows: 7:40:57
